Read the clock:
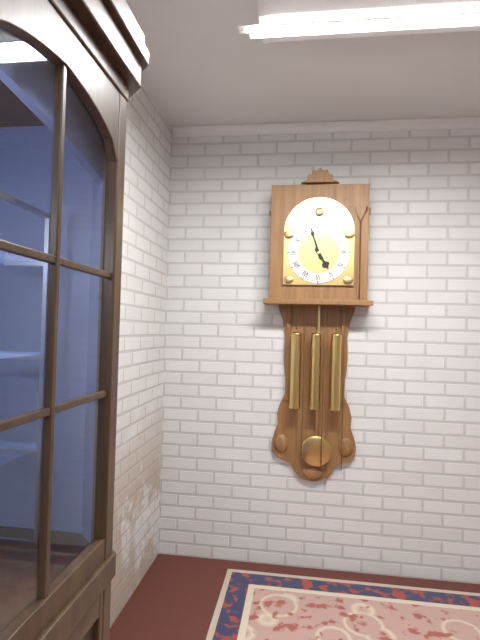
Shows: 4:57
